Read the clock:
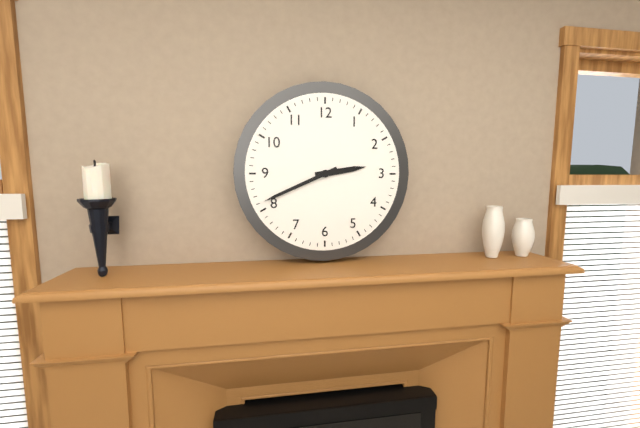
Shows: 2:41
